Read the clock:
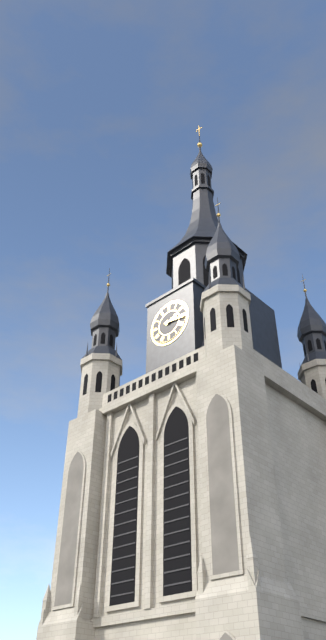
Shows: 2:16
